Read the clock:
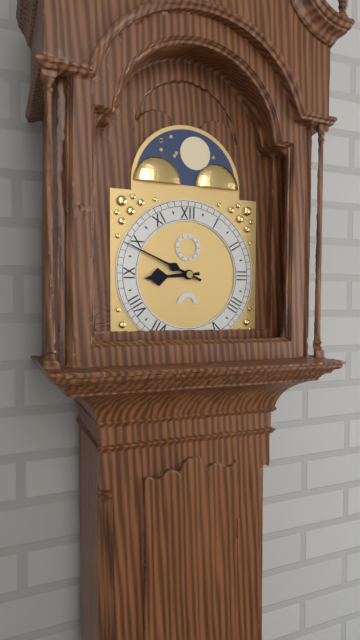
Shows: 8:49
